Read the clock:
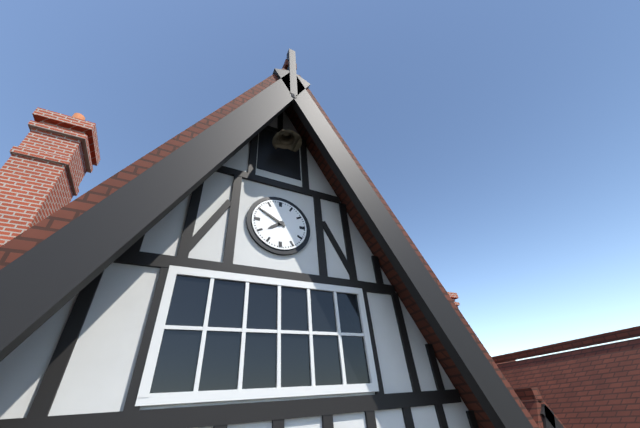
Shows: 7:50
